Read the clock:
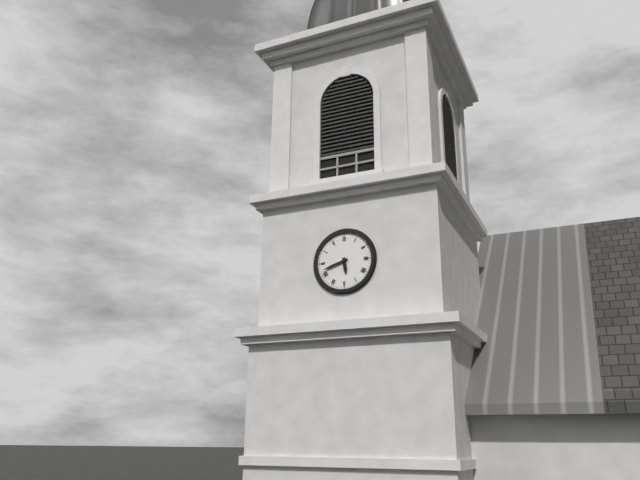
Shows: 5:42
